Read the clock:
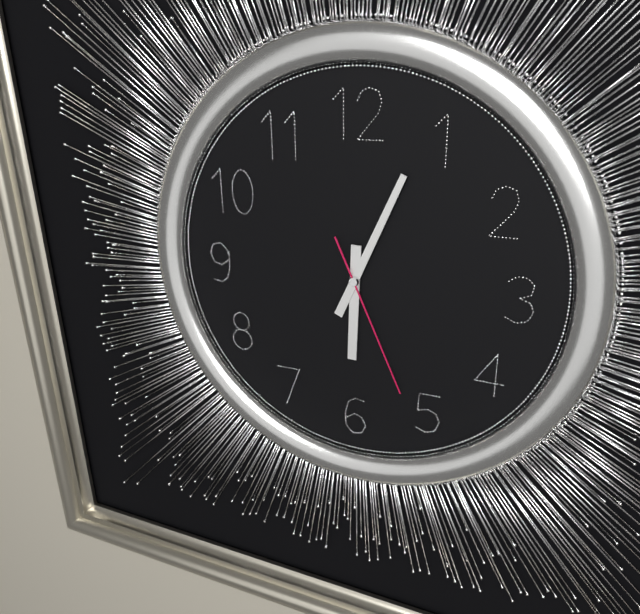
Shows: 6:04:26
